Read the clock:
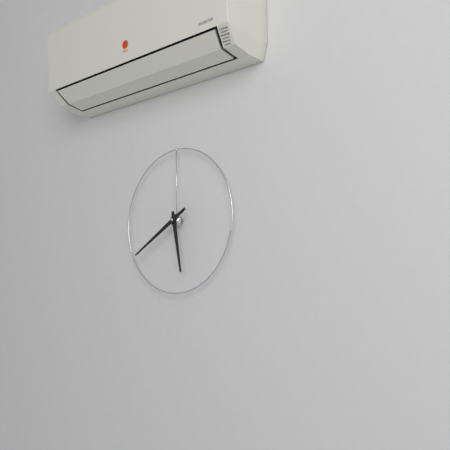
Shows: 5:40
